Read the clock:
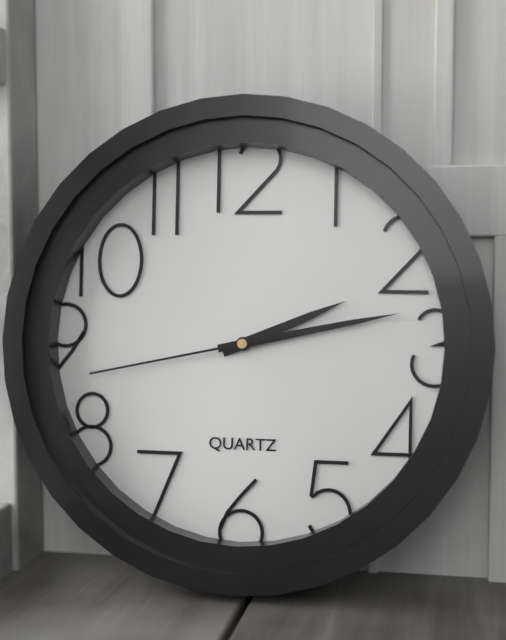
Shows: 2:13:43
